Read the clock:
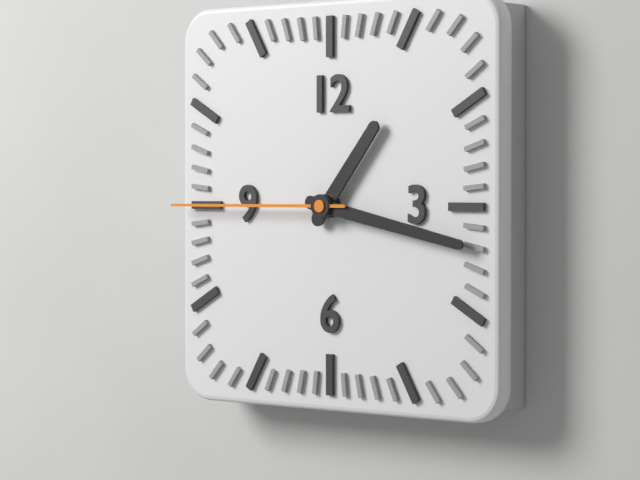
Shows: 1:17:45
